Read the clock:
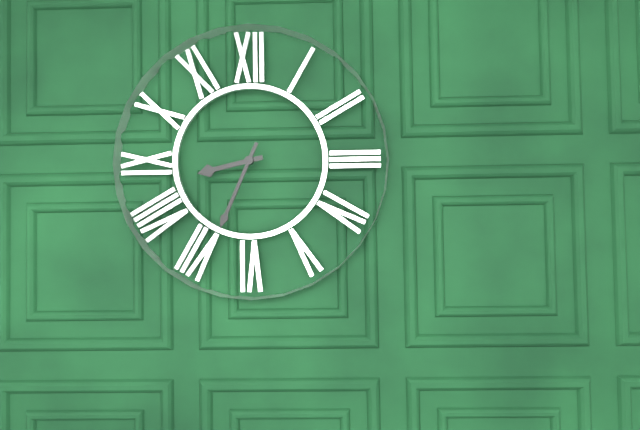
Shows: 8:34
